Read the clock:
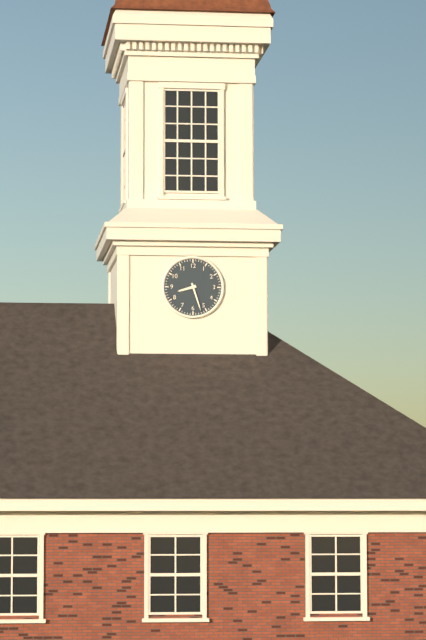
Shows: 8:27
